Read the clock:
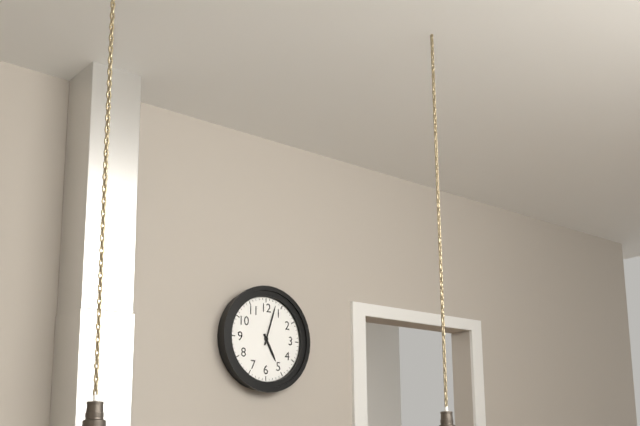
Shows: 5:03
